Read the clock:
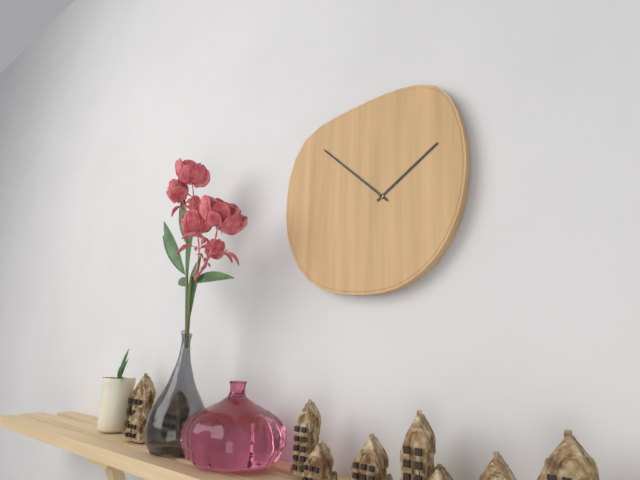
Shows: 1:52
